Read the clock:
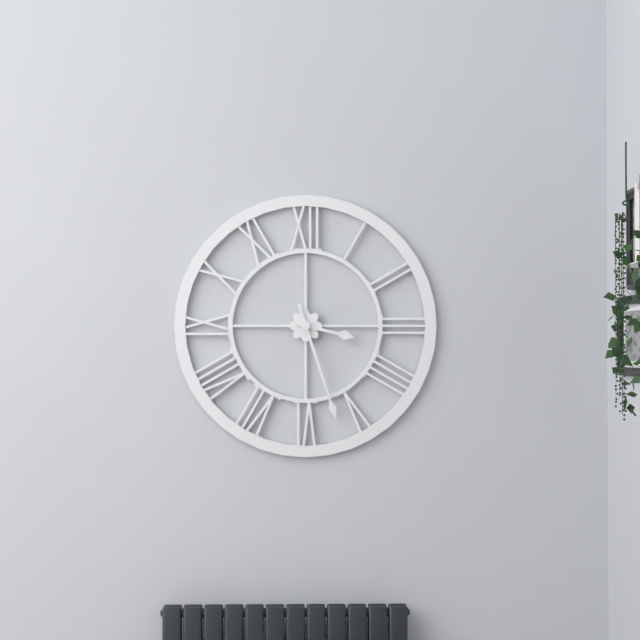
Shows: 3:27
